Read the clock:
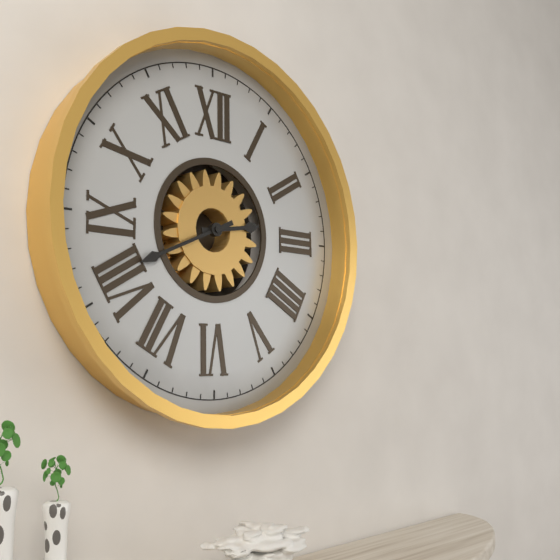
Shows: 2:41
